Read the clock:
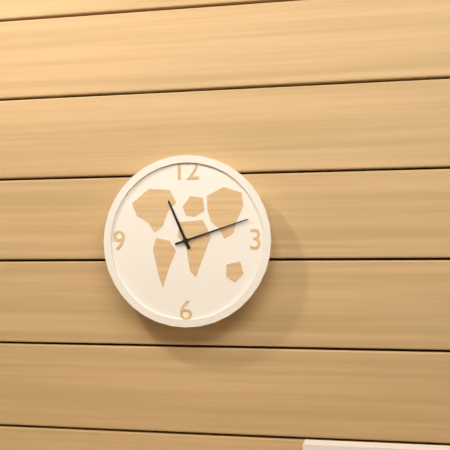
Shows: 11:12
